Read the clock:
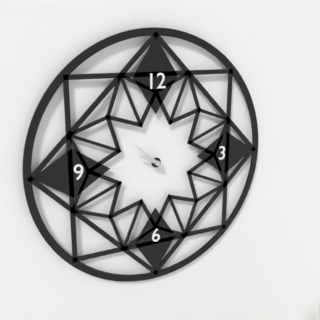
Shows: 9:52
